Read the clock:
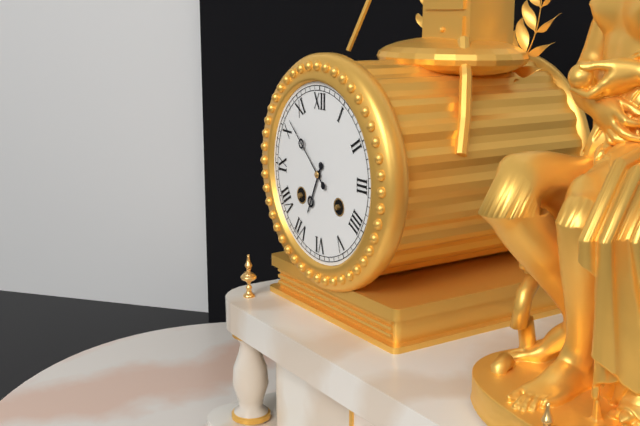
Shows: 6:52
